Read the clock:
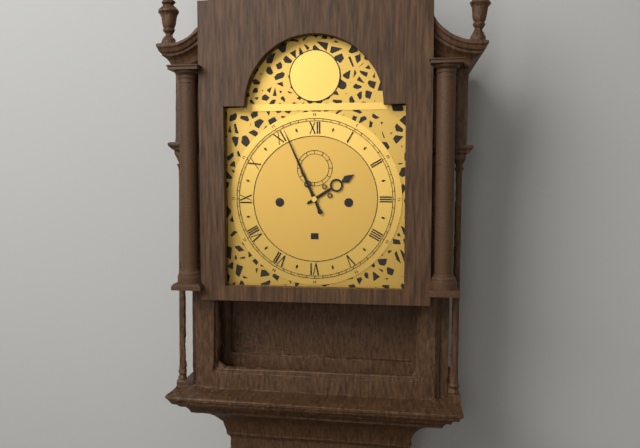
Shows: 1:56
